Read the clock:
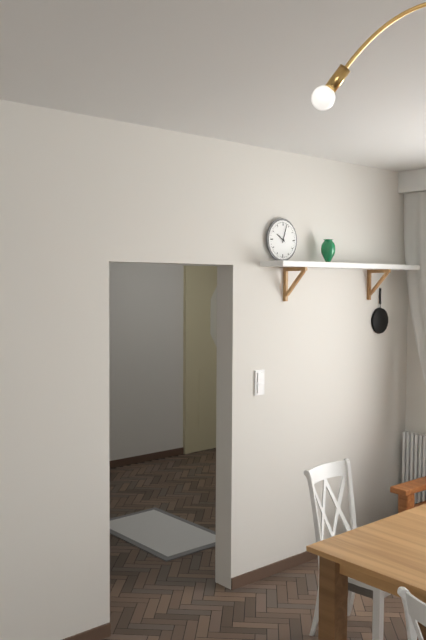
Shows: 10:03
